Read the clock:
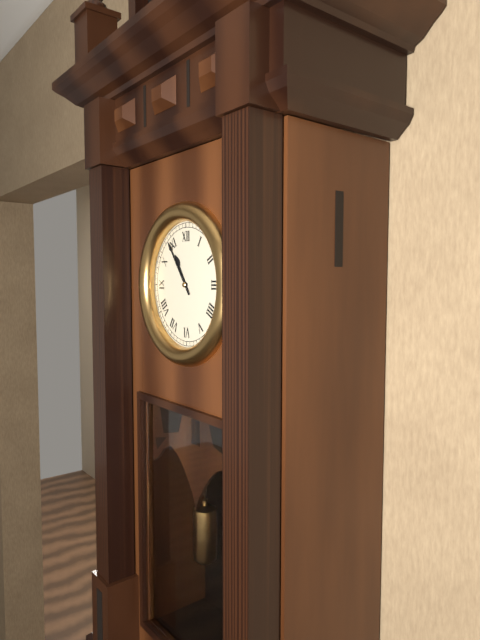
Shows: 10:54
